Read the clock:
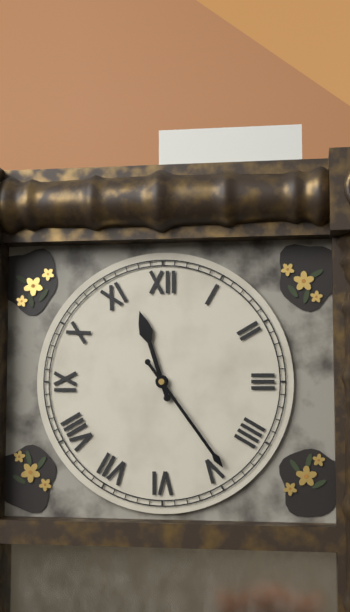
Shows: 11:24
